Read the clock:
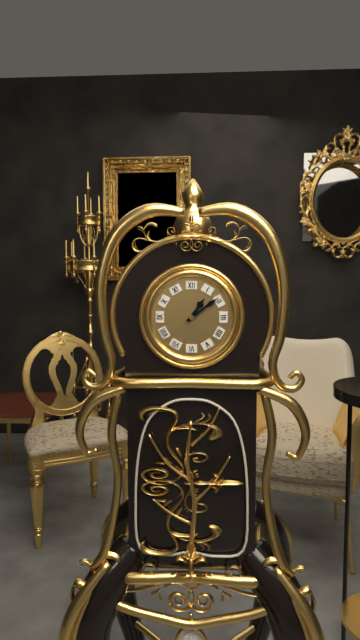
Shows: 1:09
